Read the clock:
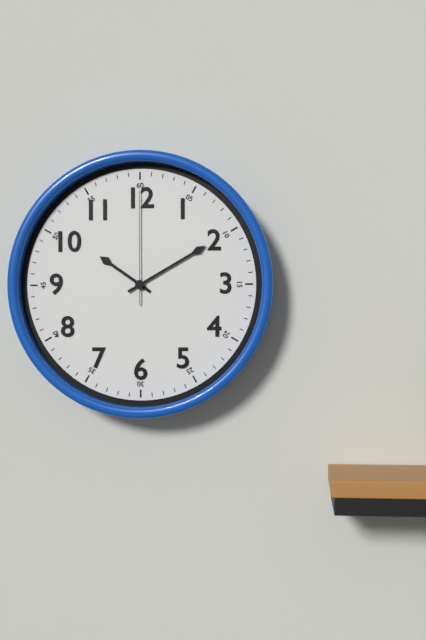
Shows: 10:10:00
